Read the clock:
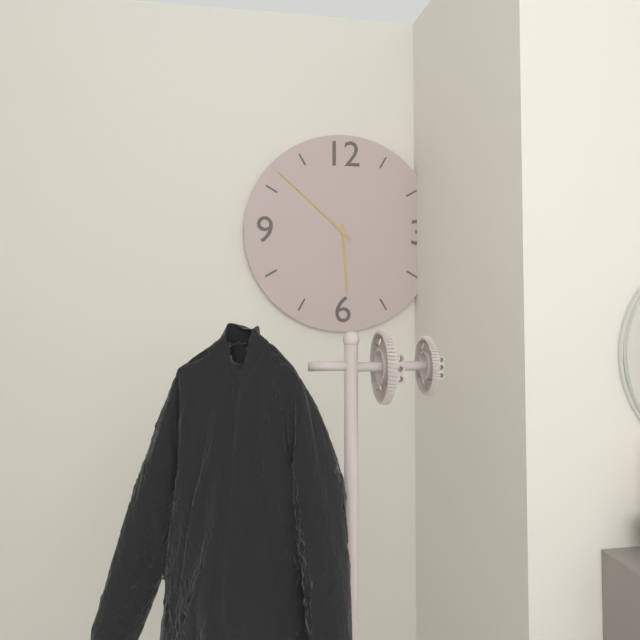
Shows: 5:52
